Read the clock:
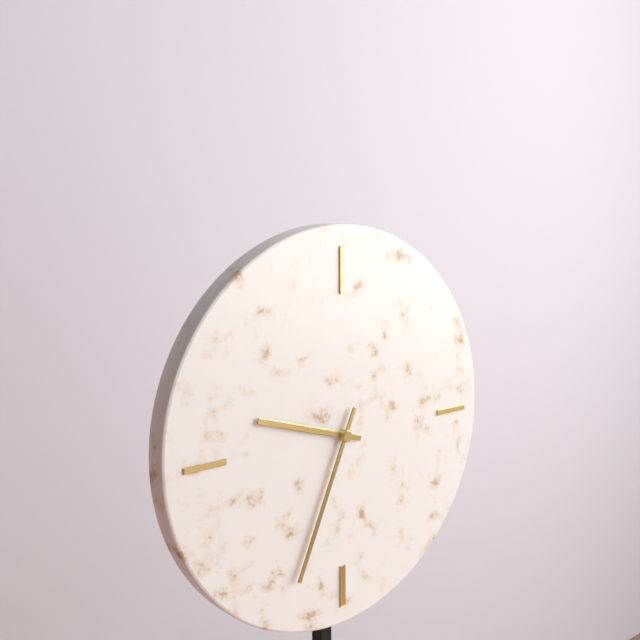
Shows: 9:34
